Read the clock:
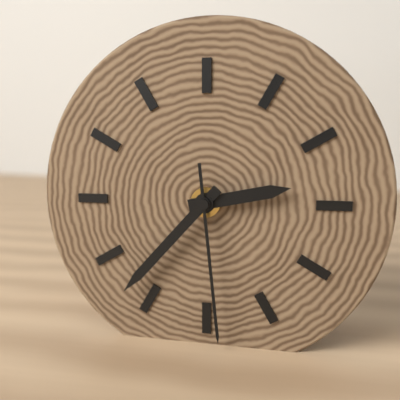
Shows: 2:37:29
